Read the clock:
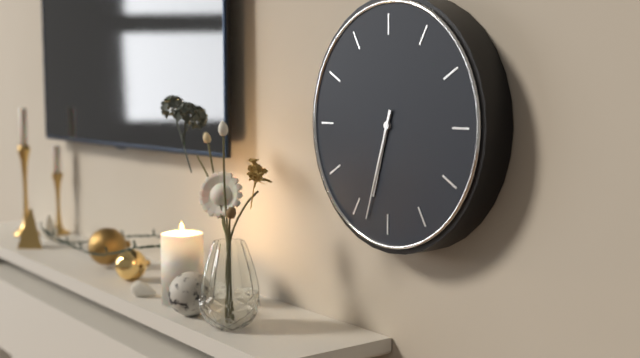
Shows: 6:33
